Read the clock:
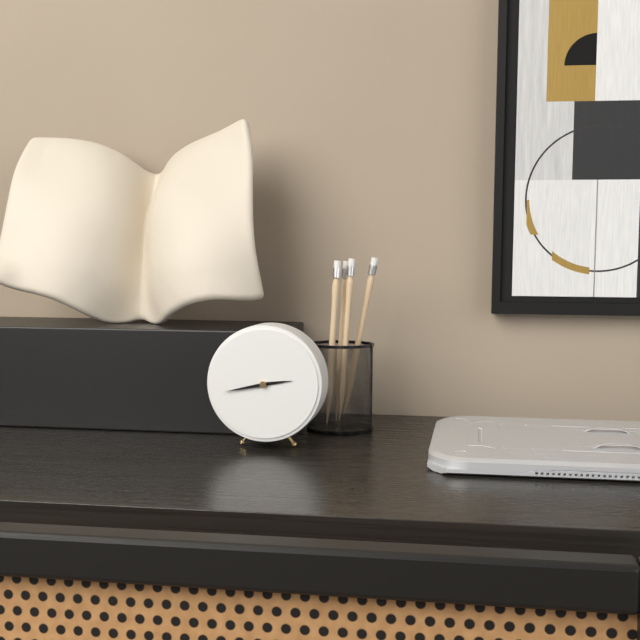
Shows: 2:43
